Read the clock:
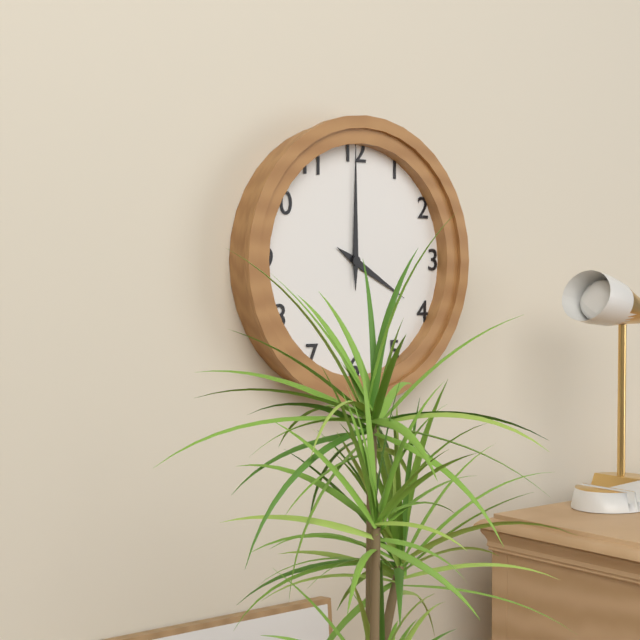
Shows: 4:00
